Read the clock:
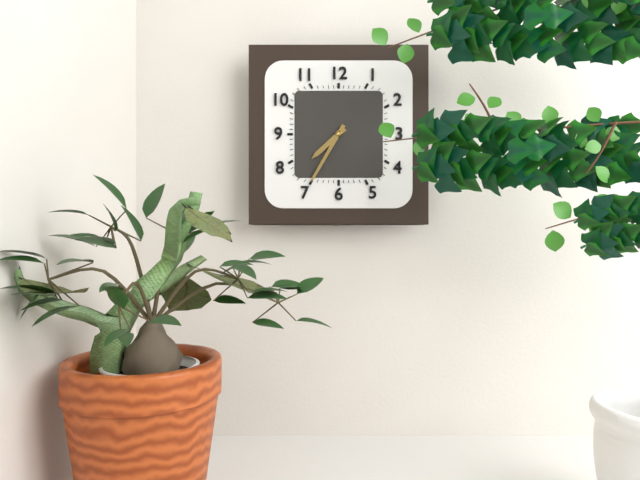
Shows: 7:35
